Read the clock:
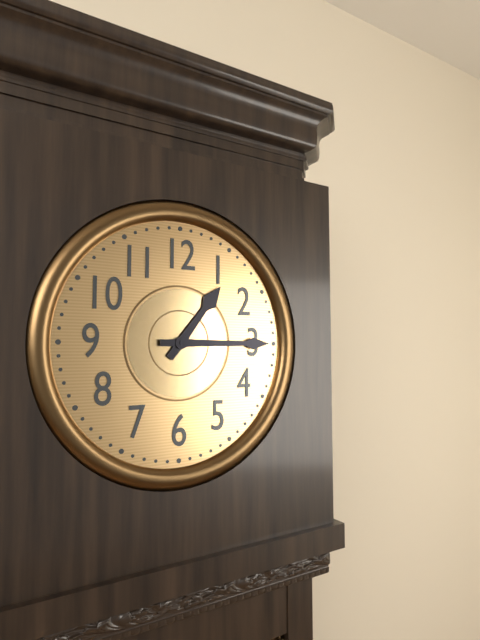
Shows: 1:15
